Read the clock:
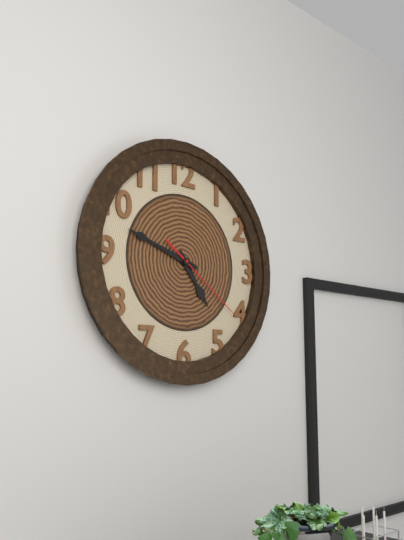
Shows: 4:48:21
